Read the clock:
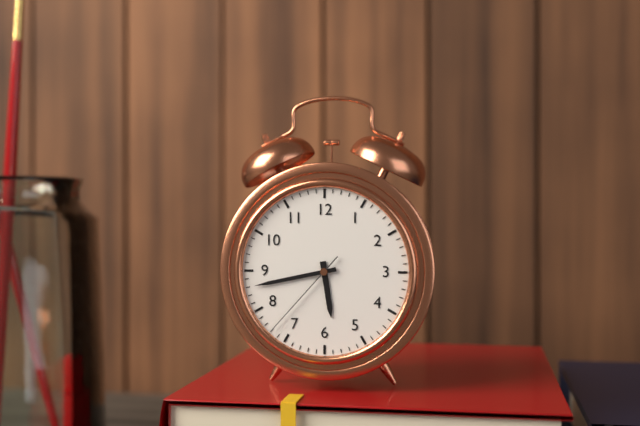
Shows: 5:43:37
